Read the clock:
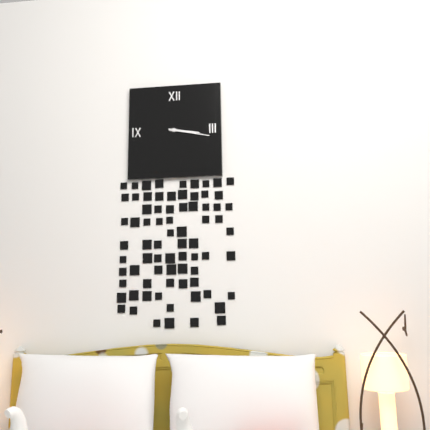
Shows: 3:17
